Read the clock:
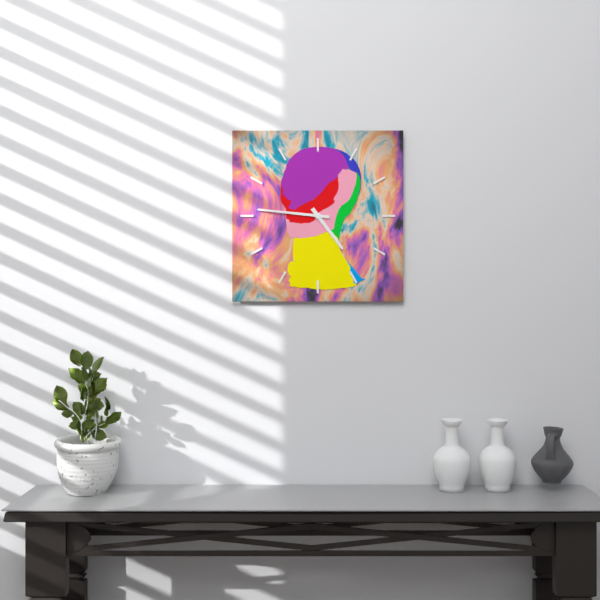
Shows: 4:46
